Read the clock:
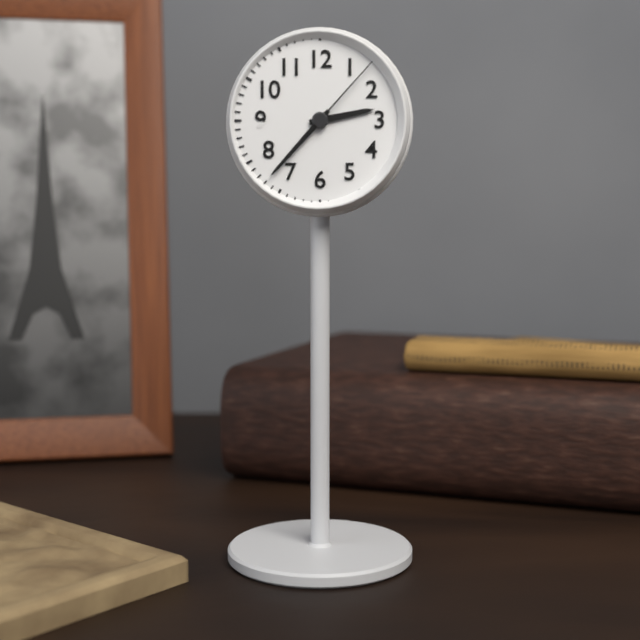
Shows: 2:37:07
